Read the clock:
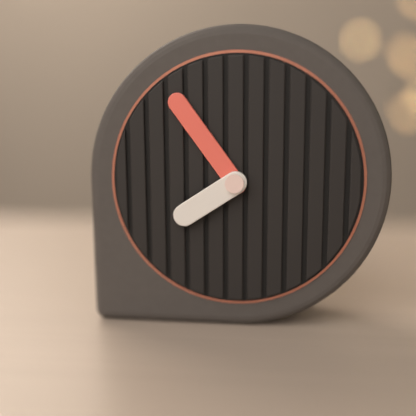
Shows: 7:54
